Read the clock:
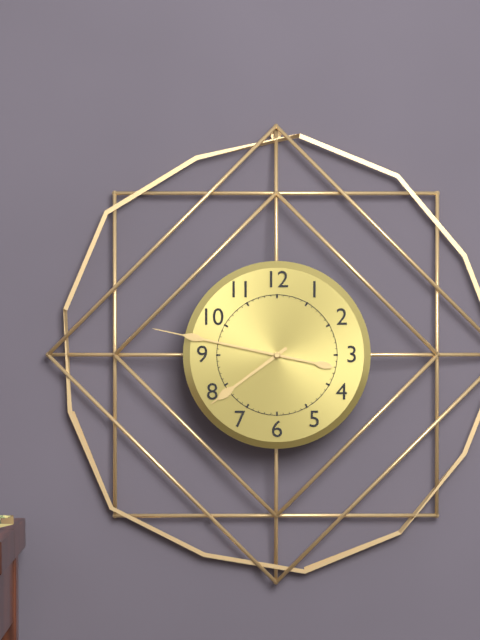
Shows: 7:47
